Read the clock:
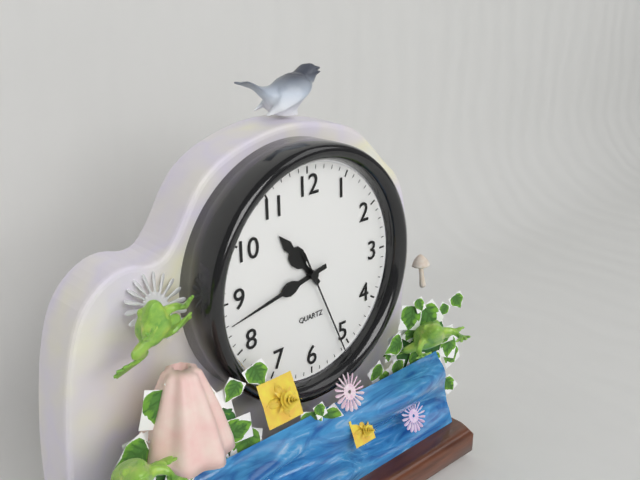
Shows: 10:43:26
